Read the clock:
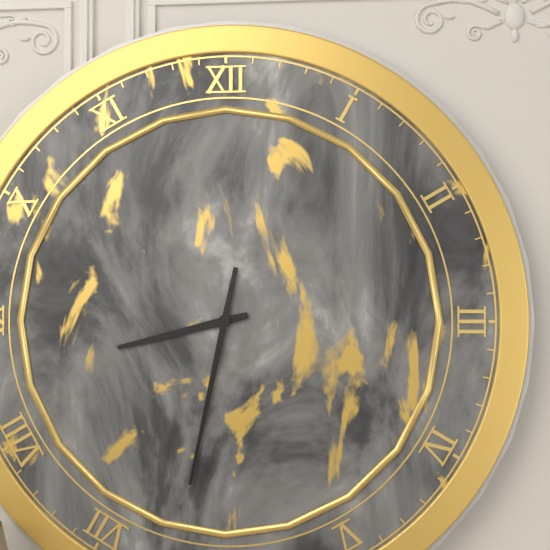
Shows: 8:32
